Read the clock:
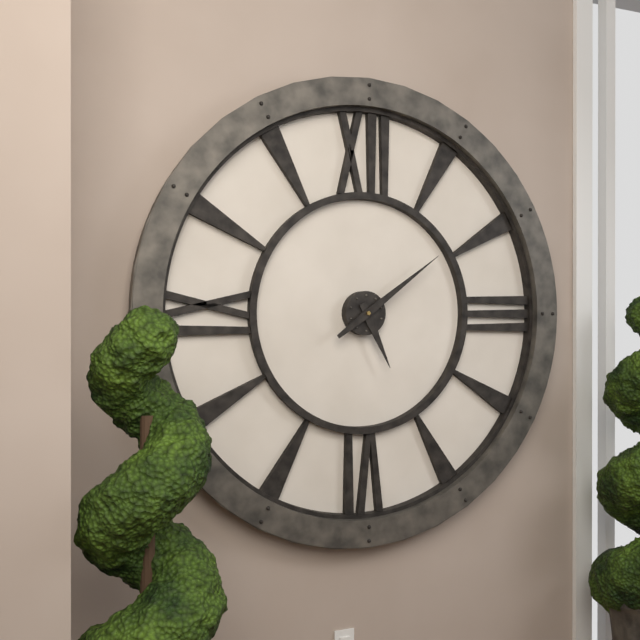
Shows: 5:09
